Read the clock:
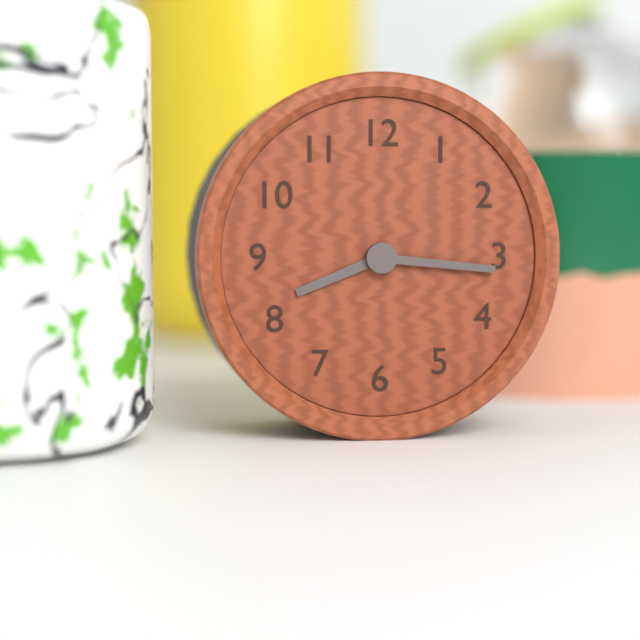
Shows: 8:16
